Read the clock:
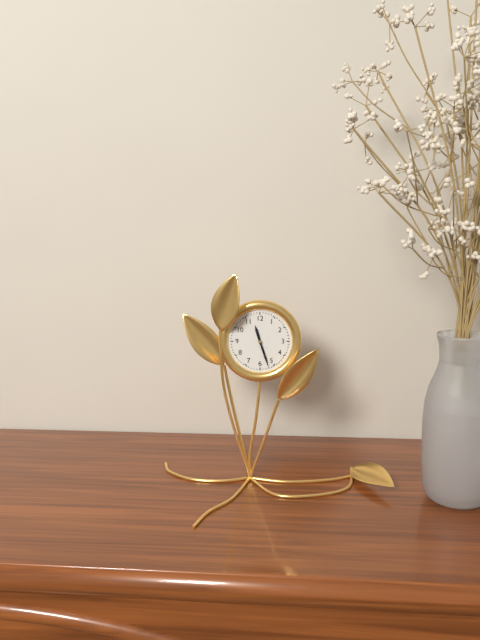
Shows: 11:27
